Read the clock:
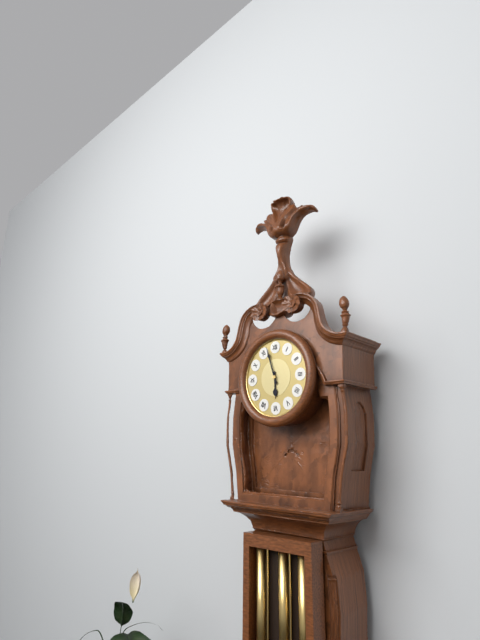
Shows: 5:57
